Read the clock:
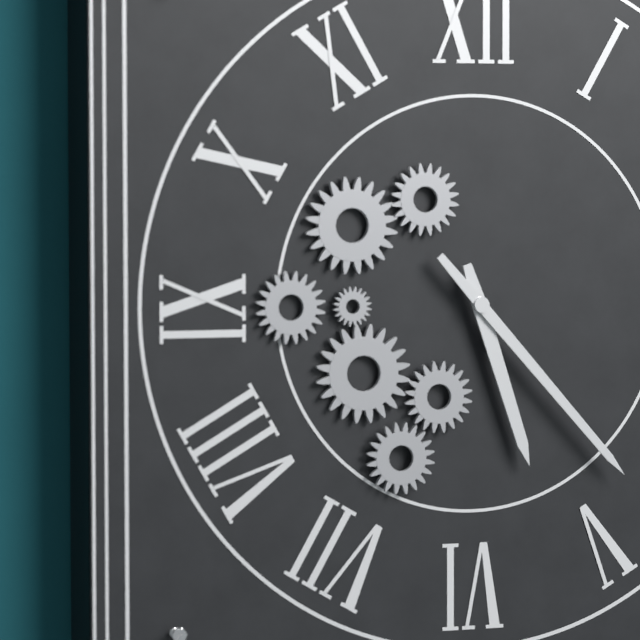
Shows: 5:23
